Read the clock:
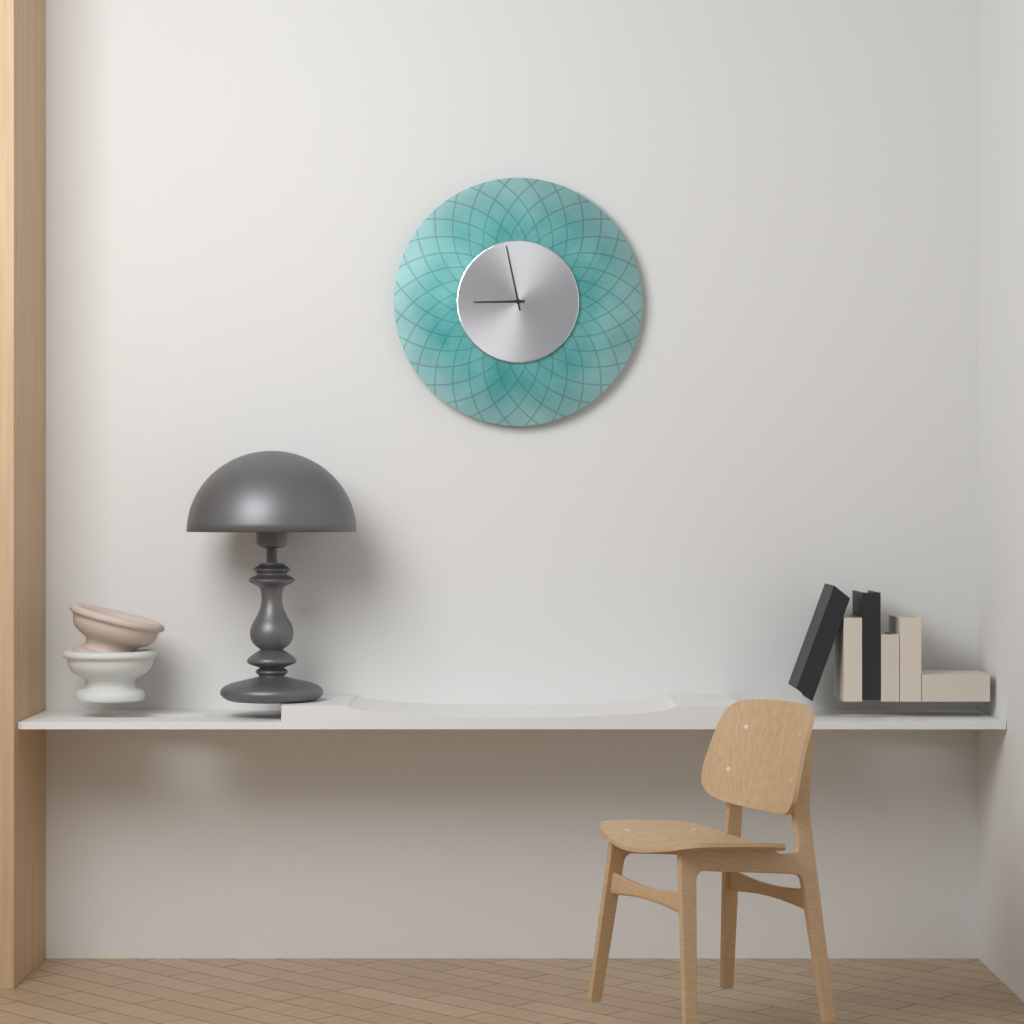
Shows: 8:58
